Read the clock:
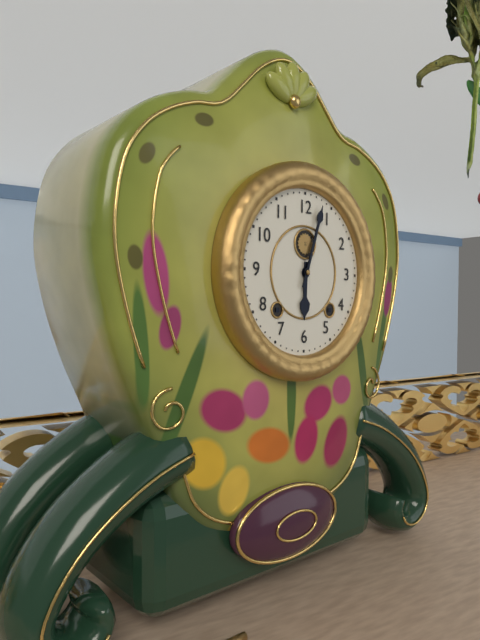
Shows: 6:03
